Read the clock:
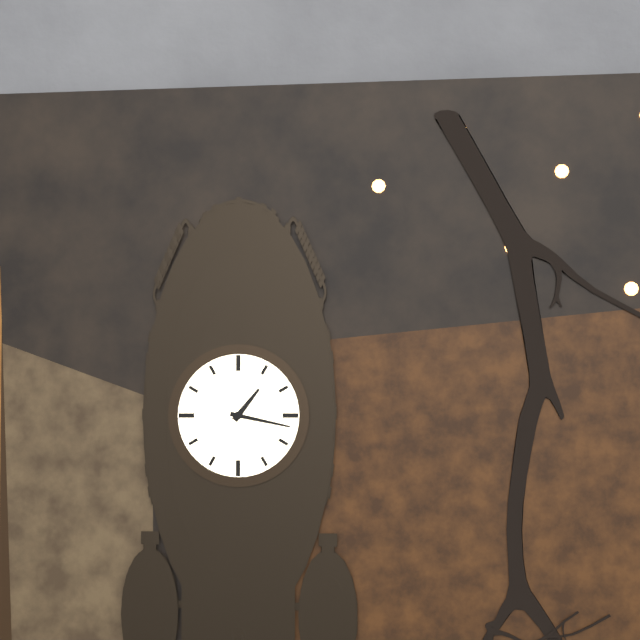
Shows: 1:17
